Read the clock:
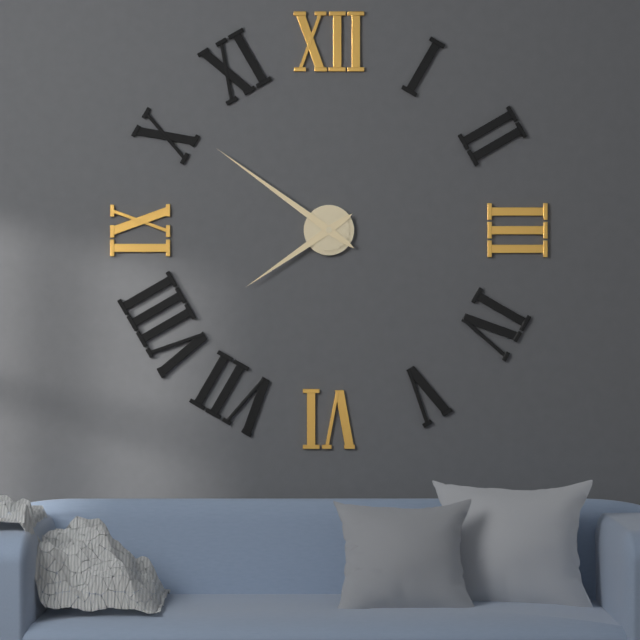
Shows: 7:51
